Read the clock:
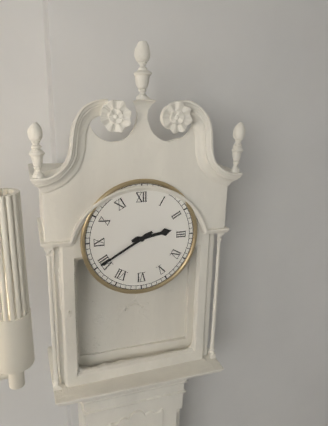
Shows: 2:40
